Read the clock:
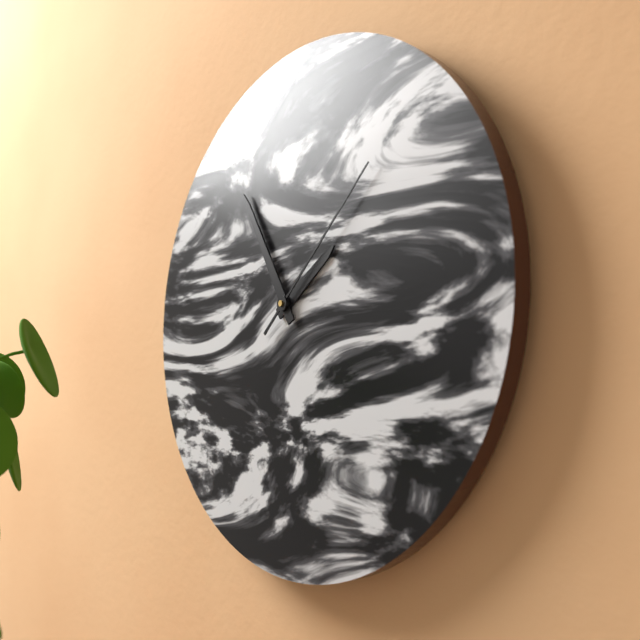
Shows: 1:55:08
